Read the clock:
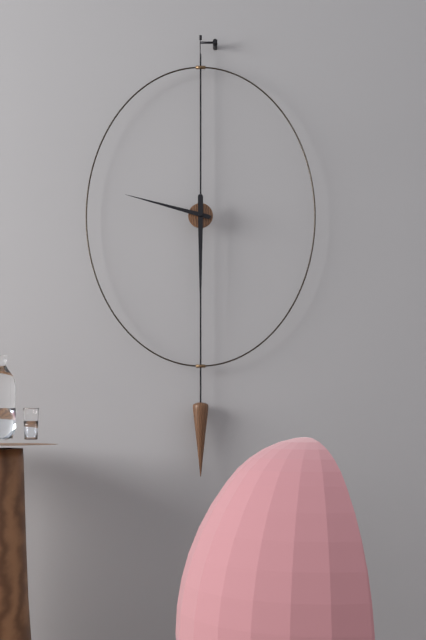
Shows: 9:30
